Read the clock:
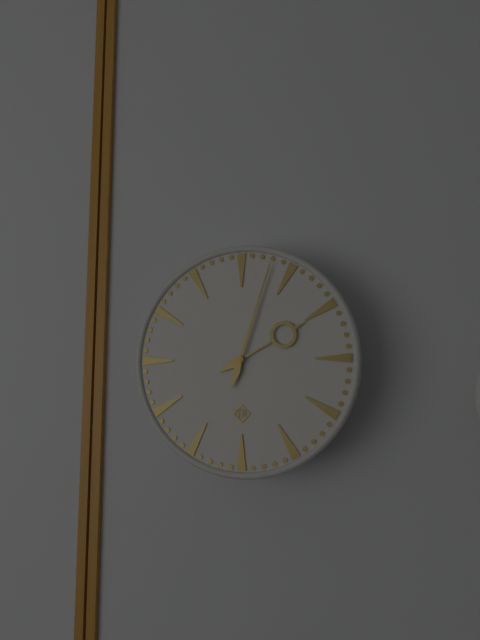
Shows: 2:03
